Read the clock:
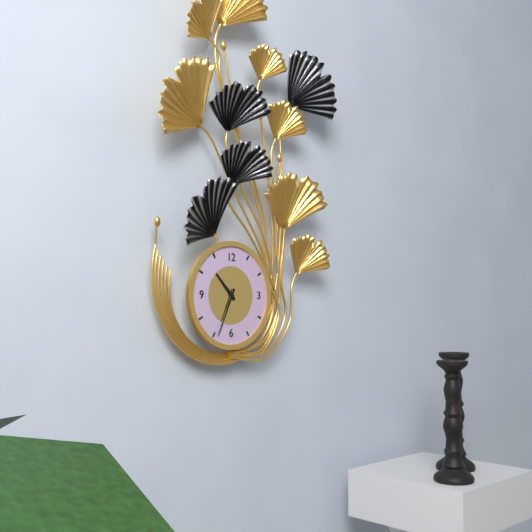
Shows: 10:34
